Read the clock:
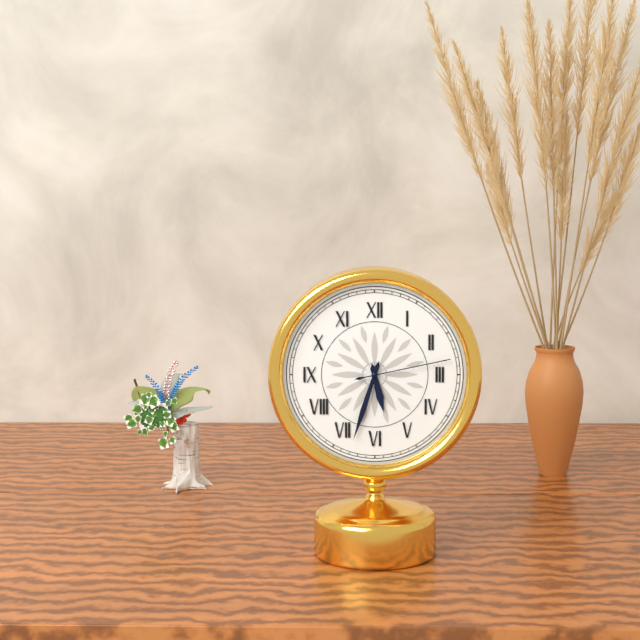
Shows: 5:33:13
